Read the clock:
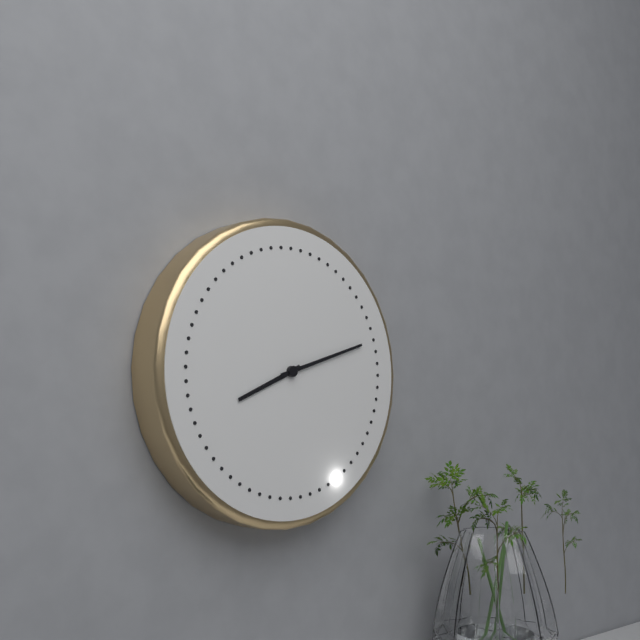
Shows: 8:12
